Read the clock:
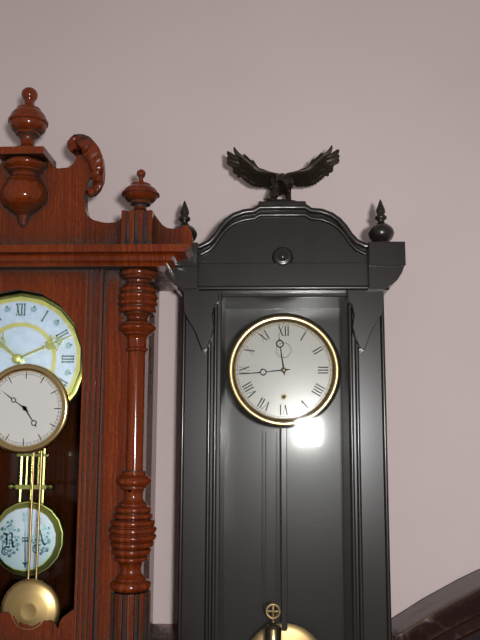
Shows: 11:44
